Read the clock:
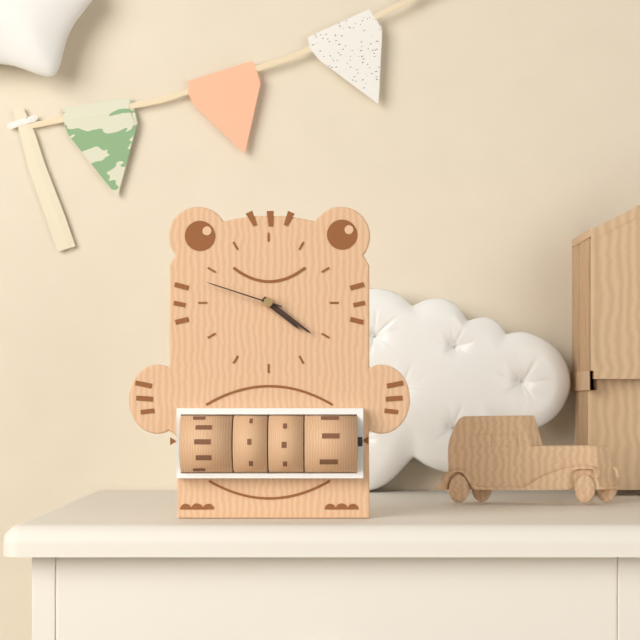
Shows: 4:21:48
